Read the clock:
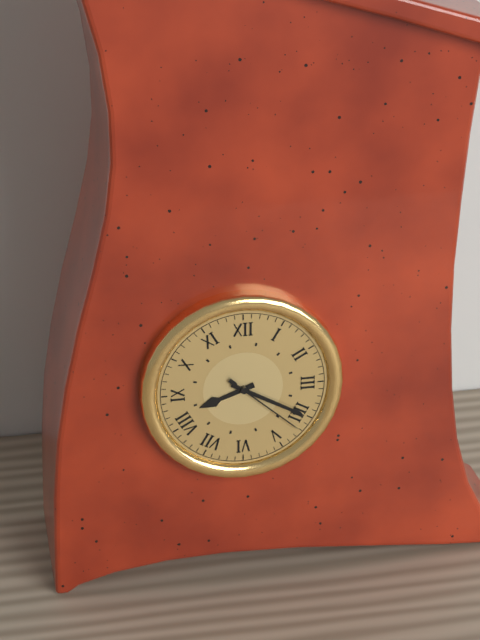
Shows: 8:20:22
